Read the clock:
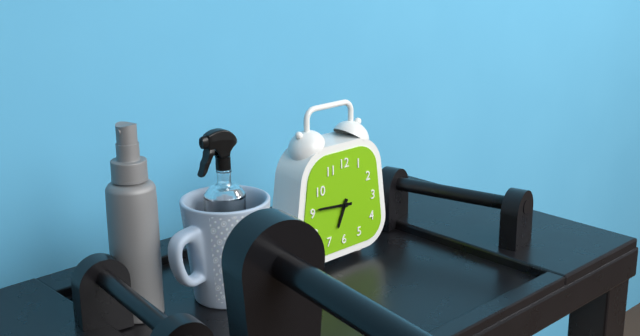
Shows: 6:46
